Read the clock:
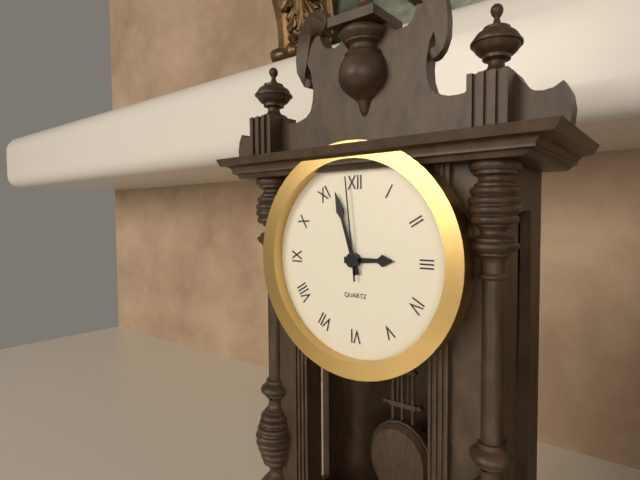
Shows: 2:57:59
